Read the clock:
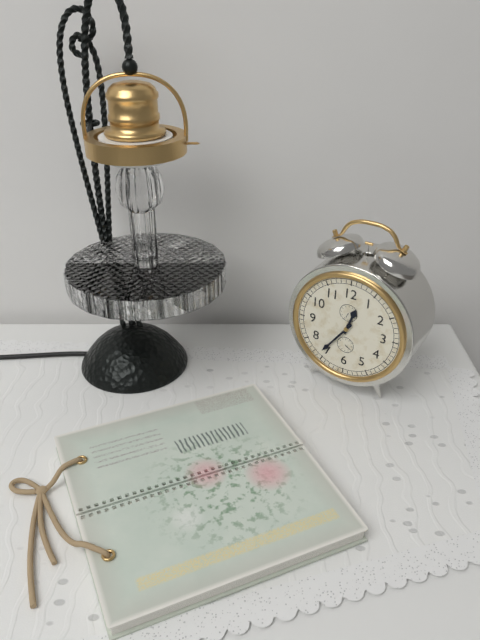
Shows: 12:36
